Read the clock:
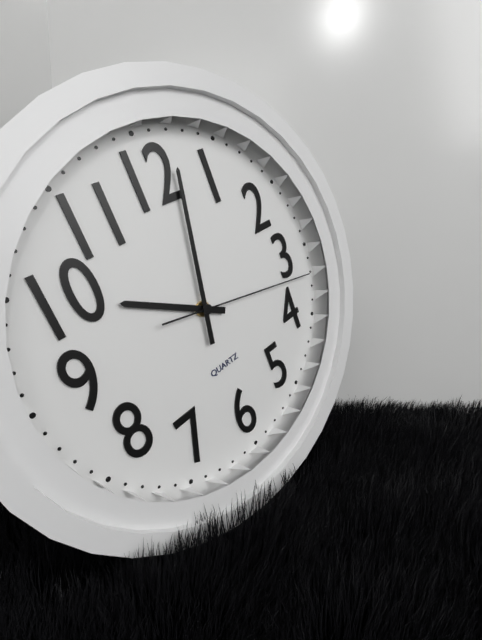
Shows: 10:02:17
